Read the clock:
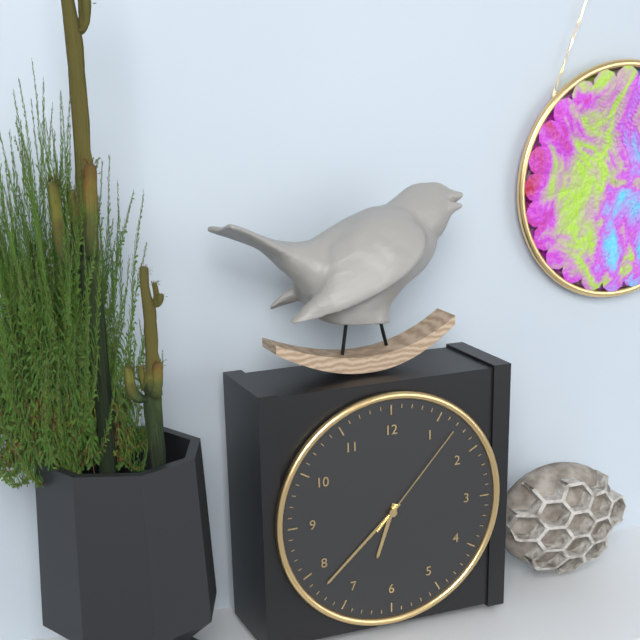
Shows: 6:38:07
